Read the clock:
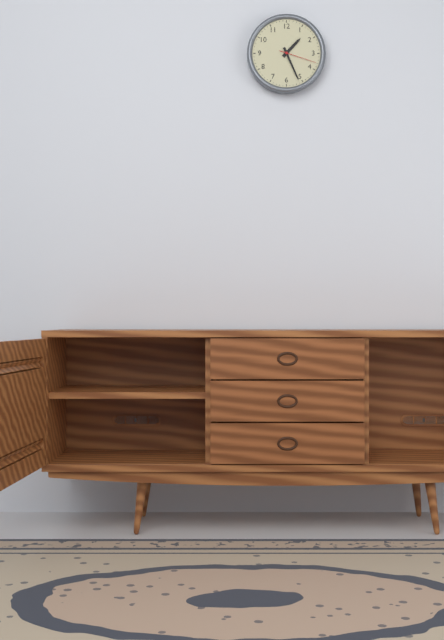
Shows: 1:26
